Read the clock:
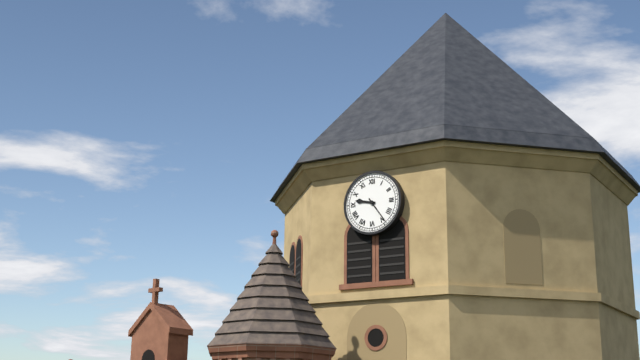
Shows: 9:24
